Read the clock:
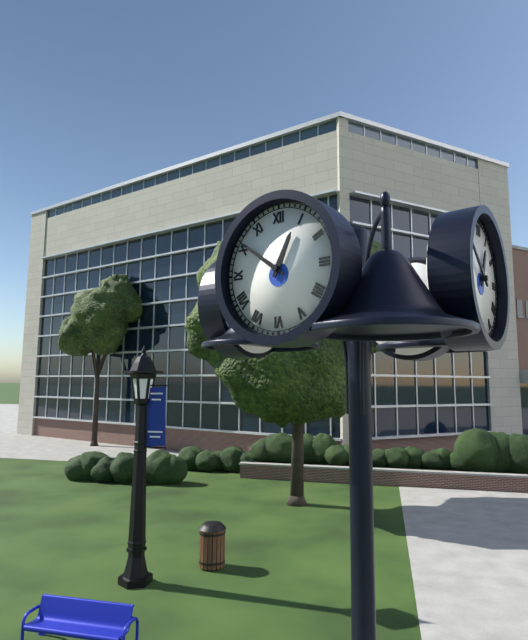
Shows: 12:51
